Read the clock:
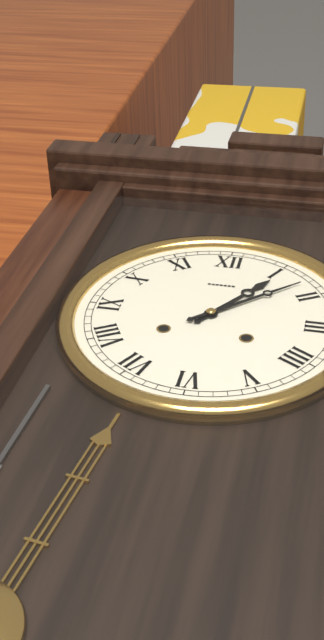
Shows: 1:08
